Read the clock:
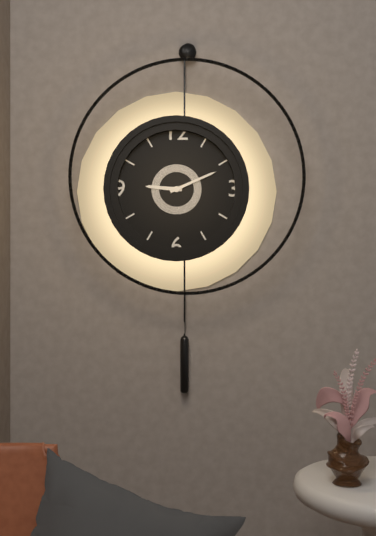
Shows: 9:11
